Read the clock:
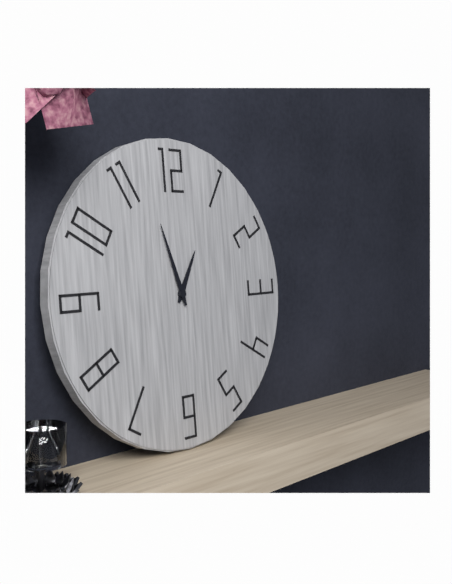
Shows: 12:57
